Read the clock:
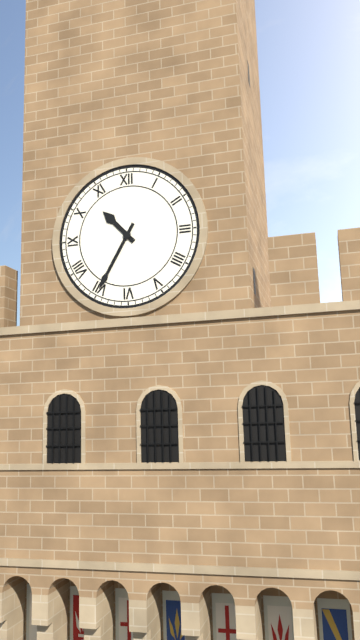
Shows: 10:35
